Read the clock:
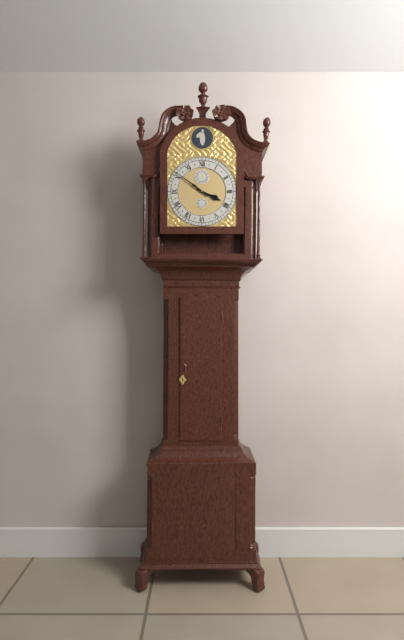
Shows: 3:51
